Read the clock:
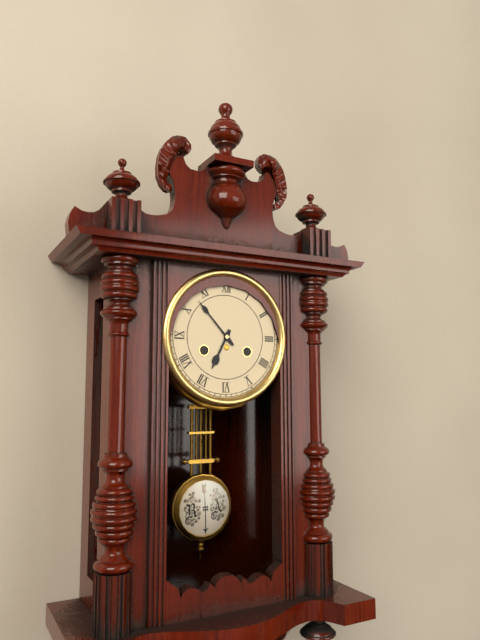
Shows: 6:53
